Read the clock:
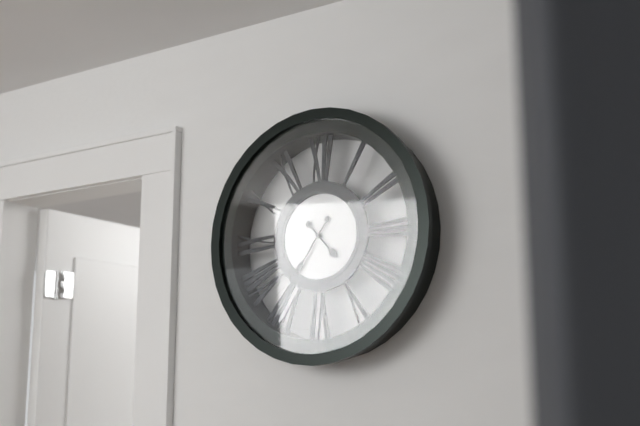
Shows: 4:36
